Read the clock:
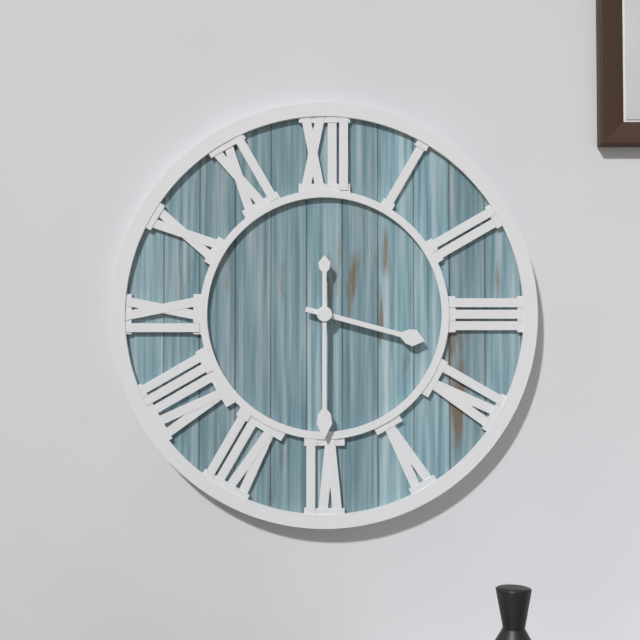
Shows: 3:30
